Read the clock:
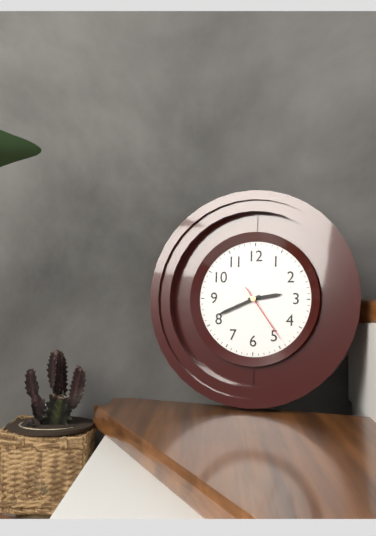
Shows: 2:41:24
